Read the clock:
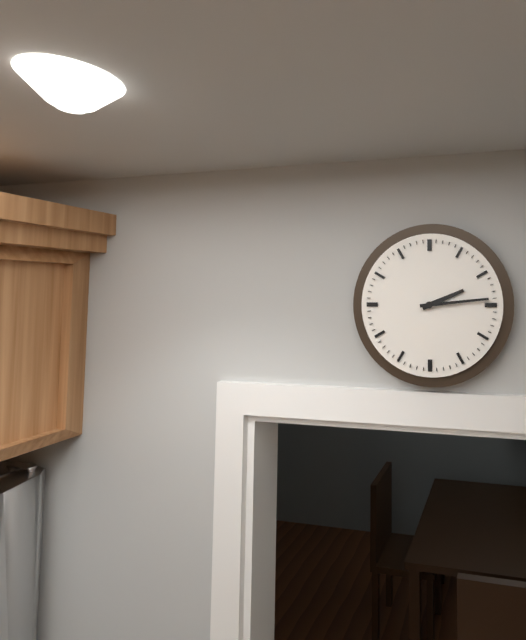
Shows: 2:14
